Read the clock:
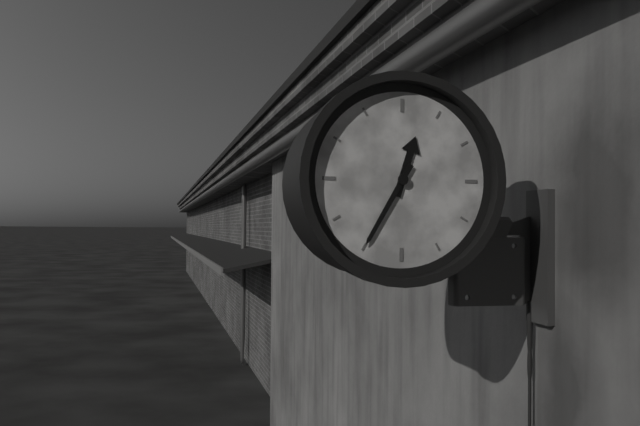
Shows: 12:35
